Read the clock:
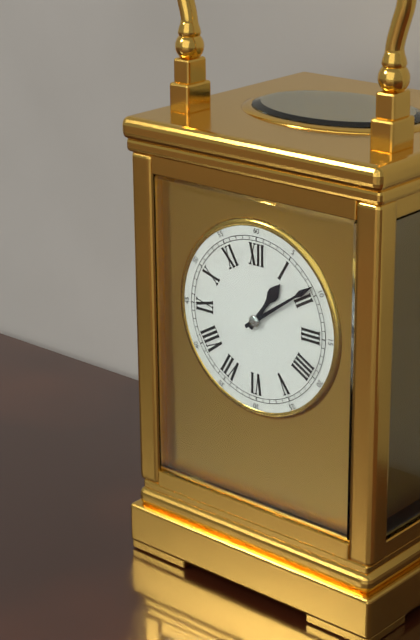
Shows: 1:09
